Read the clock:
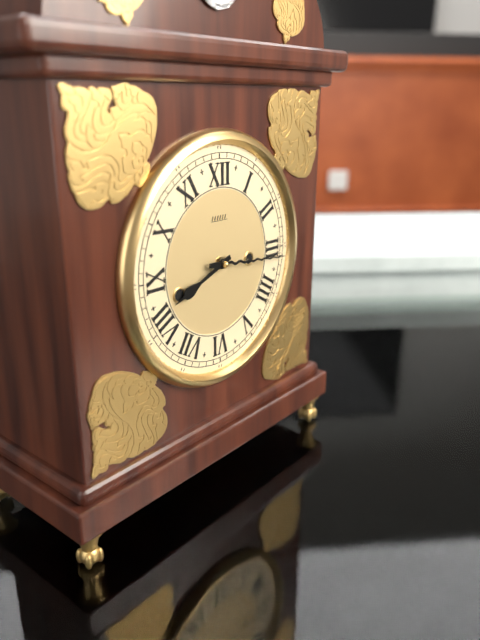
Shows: 8:16
